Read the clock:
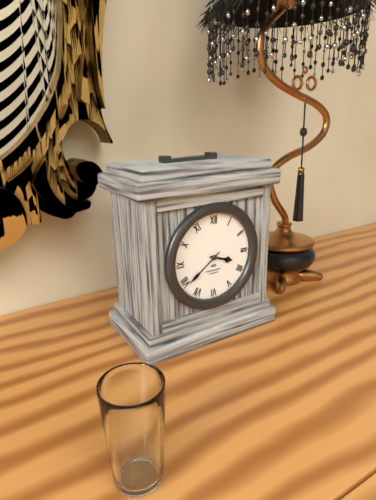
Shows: 3:39
